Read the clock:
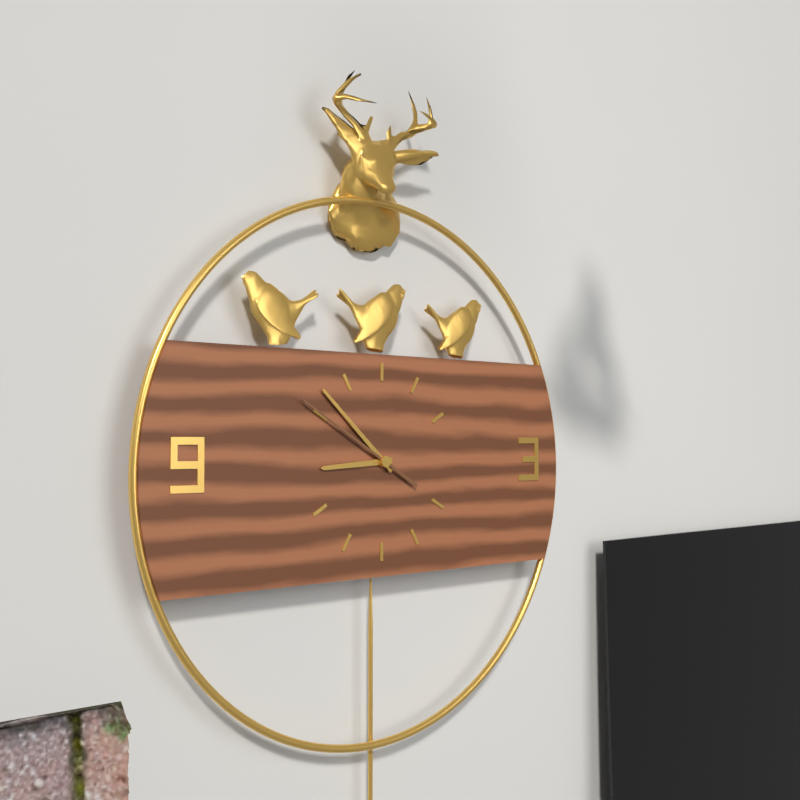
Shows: 8:52:50
